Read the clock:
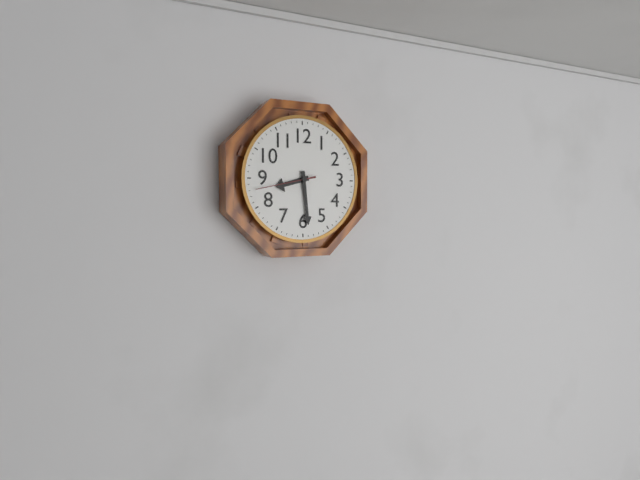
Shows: 8:29
